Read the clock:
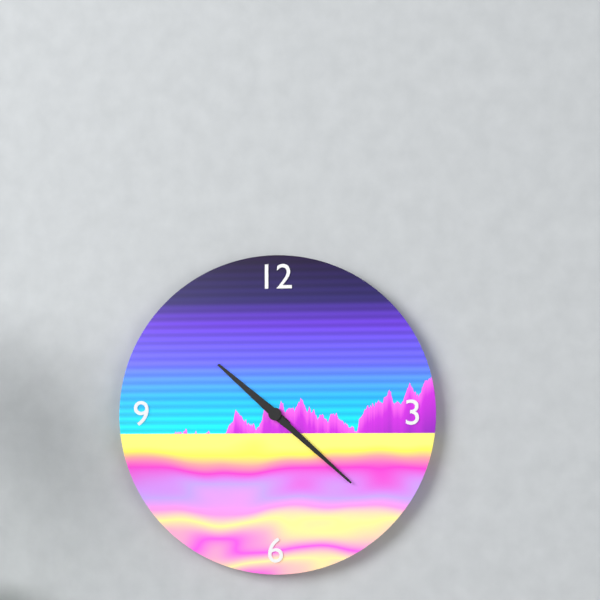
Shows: 10:22
